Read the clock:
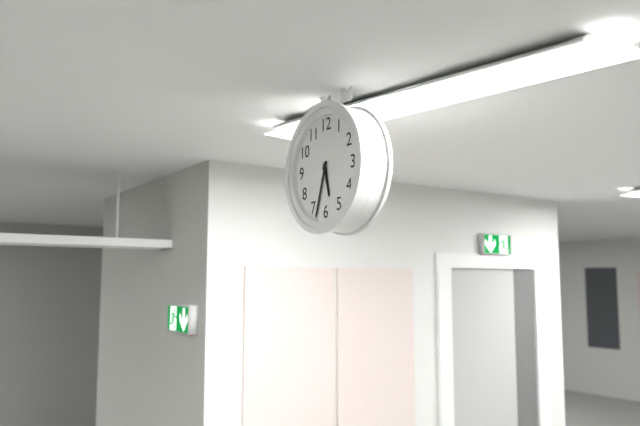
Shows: 5:33
